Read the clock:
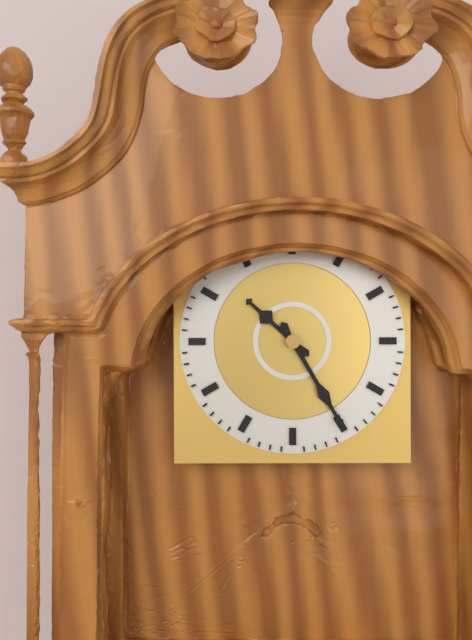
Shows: 10:25
